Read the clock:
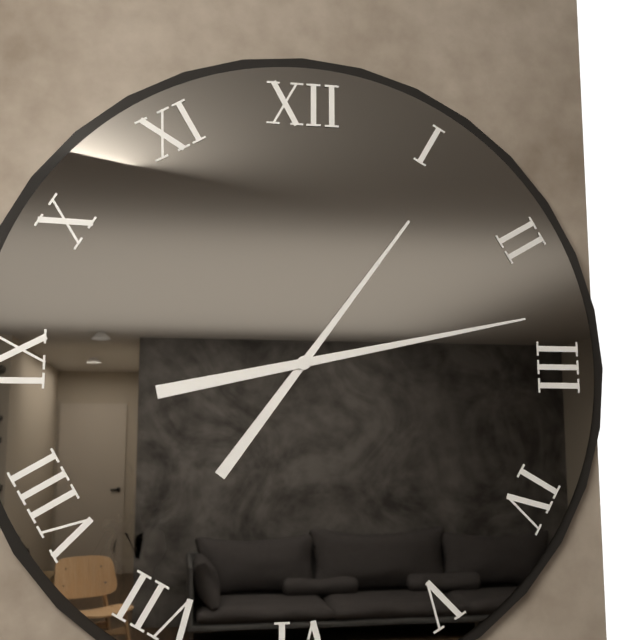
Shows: 1:13
